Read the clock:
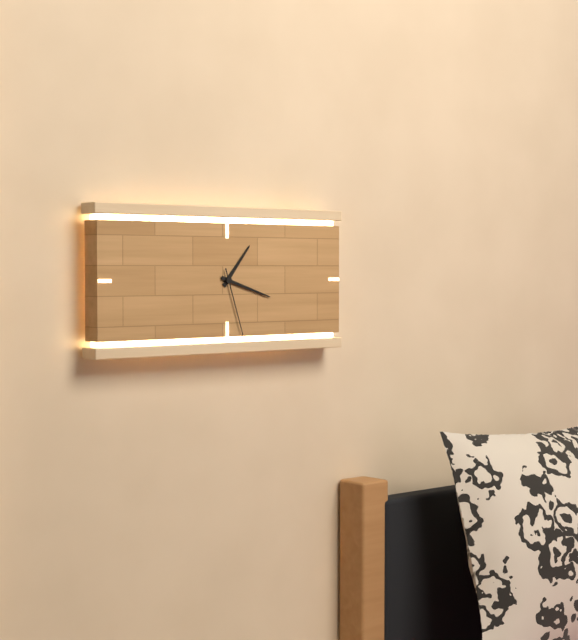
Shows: 1:18:27
